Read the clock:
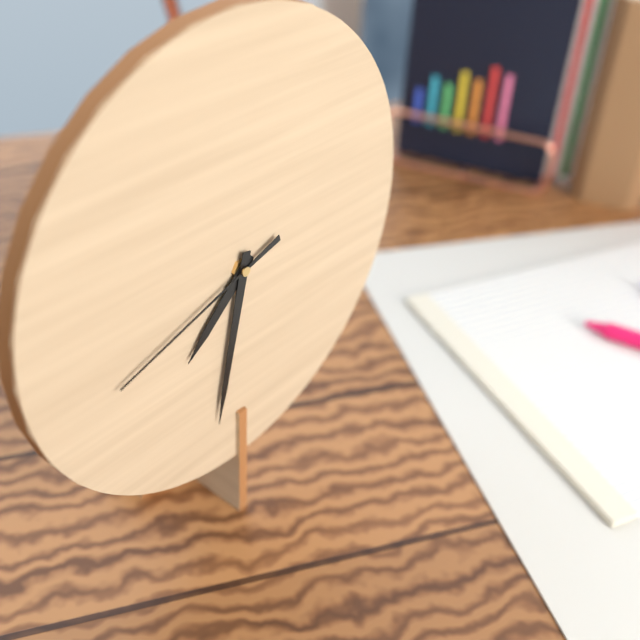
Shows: 7:32:42
